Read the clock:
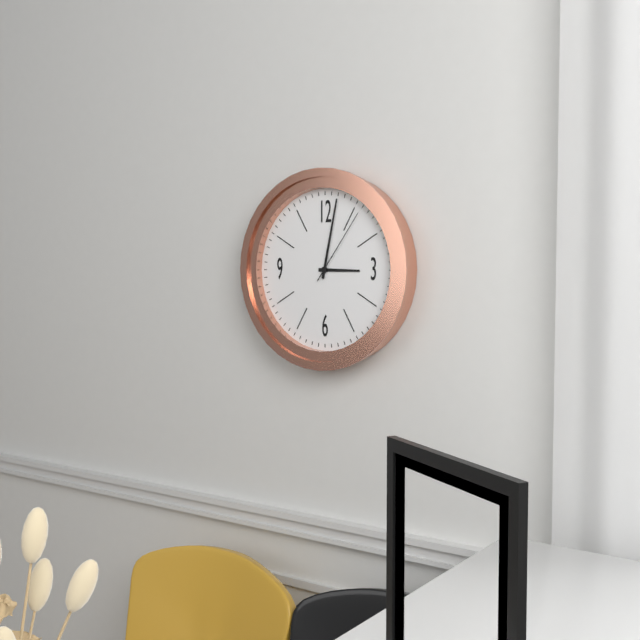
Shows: 3:02:06
